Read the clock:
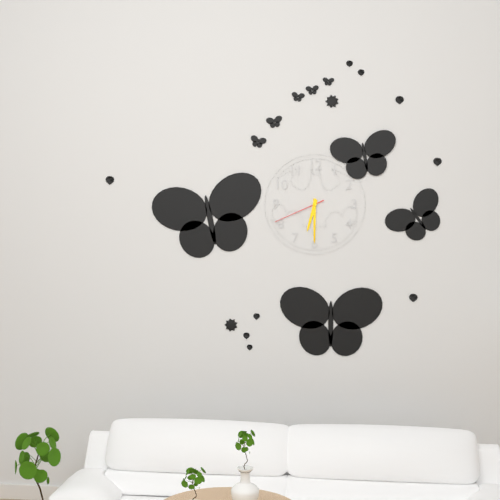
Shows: 6:30:41
